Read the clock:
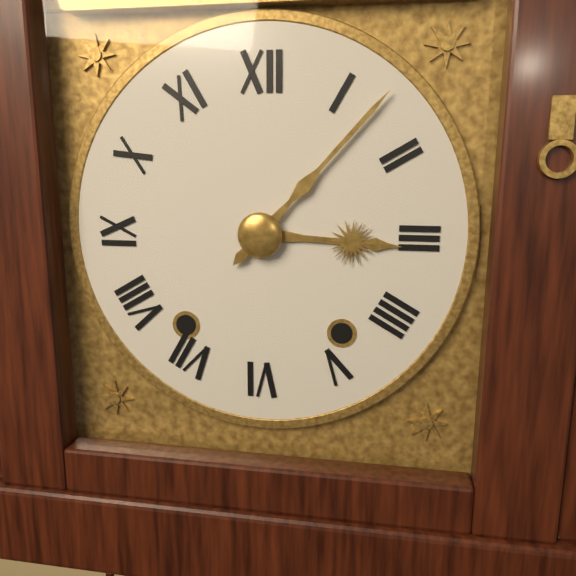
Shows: 3:07
